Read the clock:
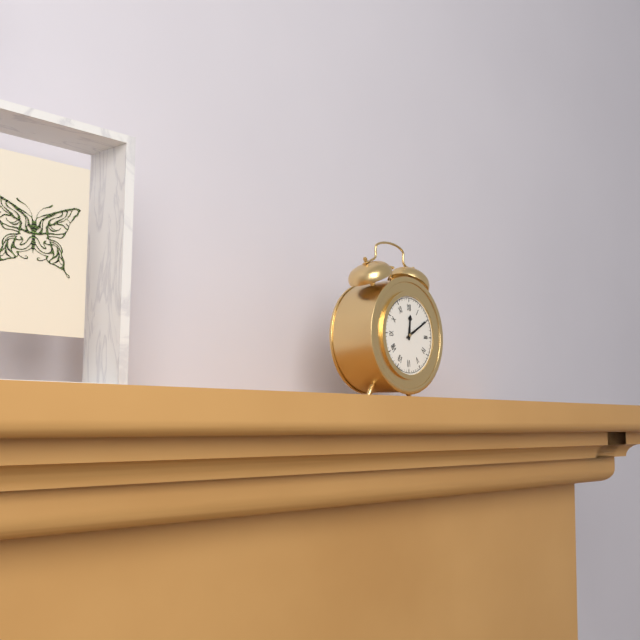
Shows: 12:10
